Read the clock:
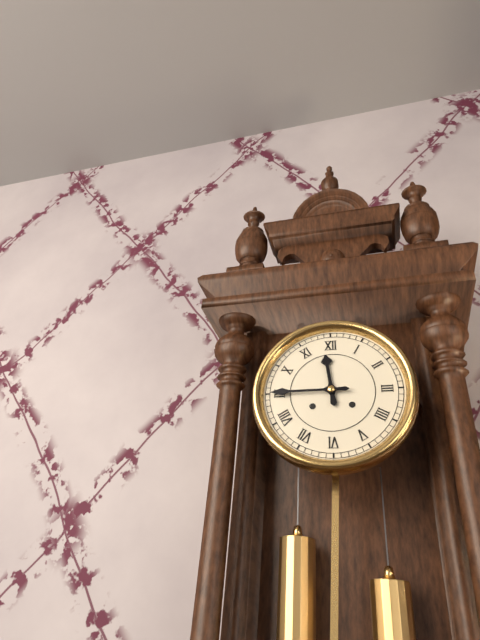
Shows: 11:45
